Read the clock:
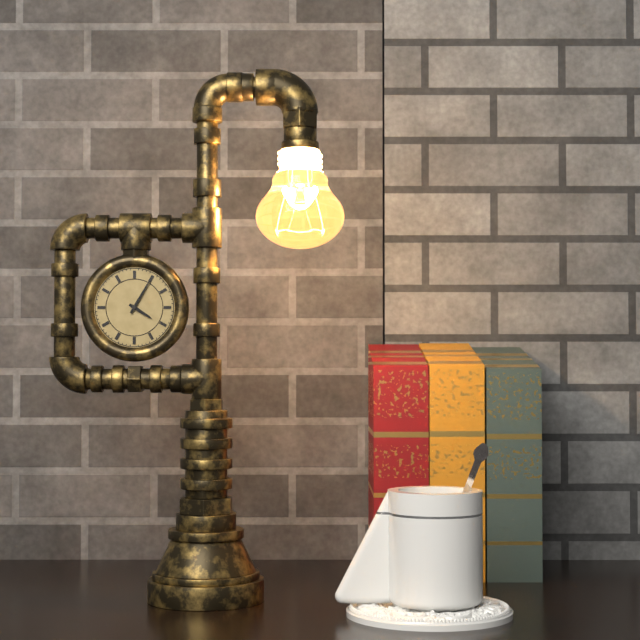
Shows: 4:05
